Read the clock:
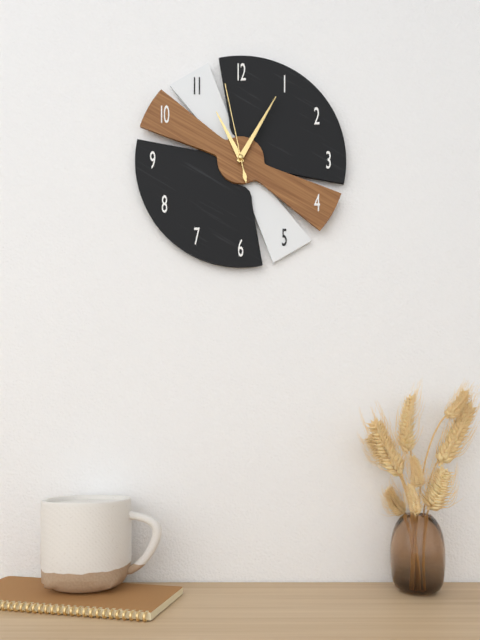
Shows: 11:05:58
